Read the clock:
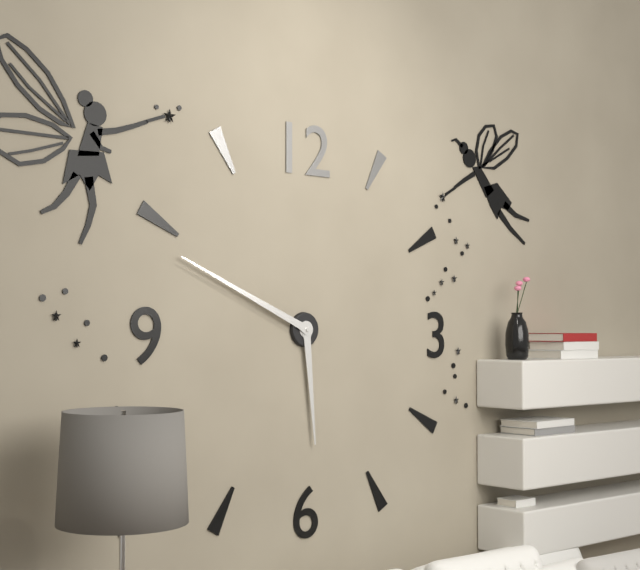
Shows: 5:49
